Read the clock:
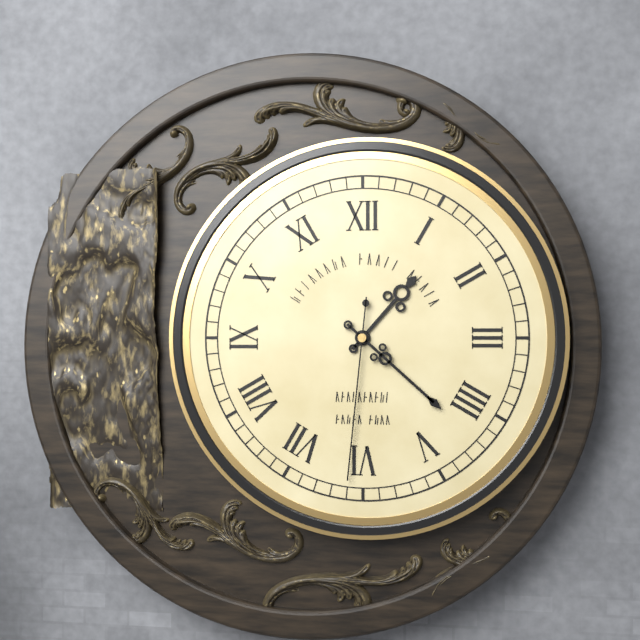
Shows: 1:22:31
